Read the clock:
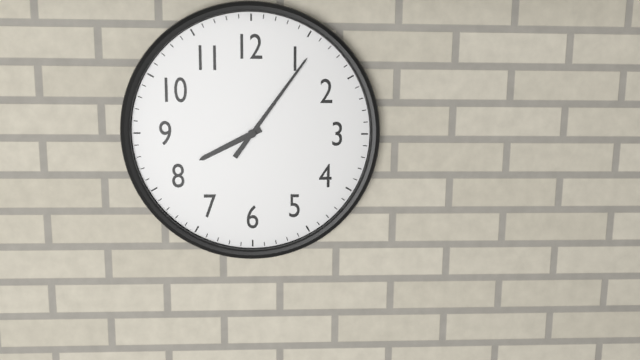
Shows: 8:06
